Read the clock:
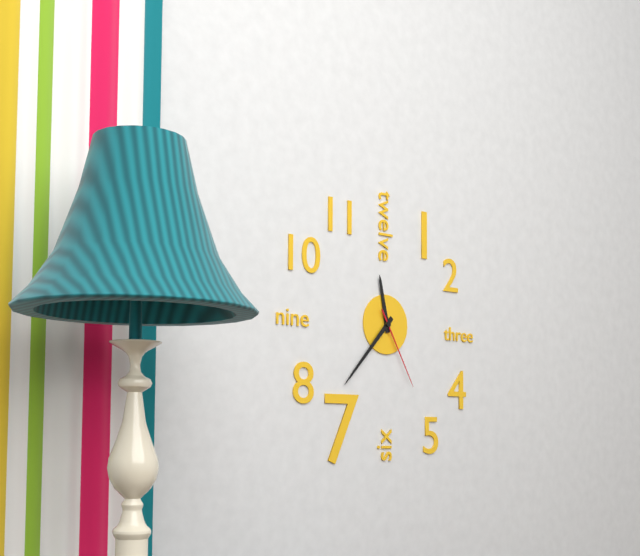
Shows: 11:37:25
